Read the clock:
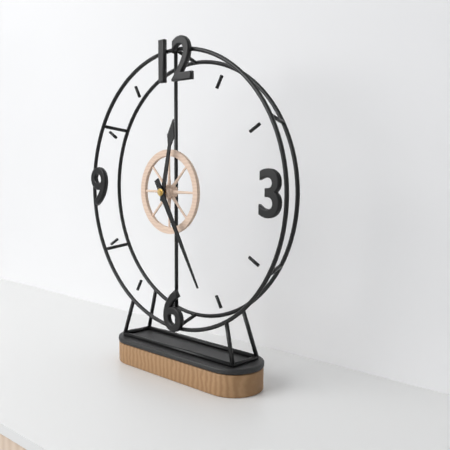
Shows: 12:25
